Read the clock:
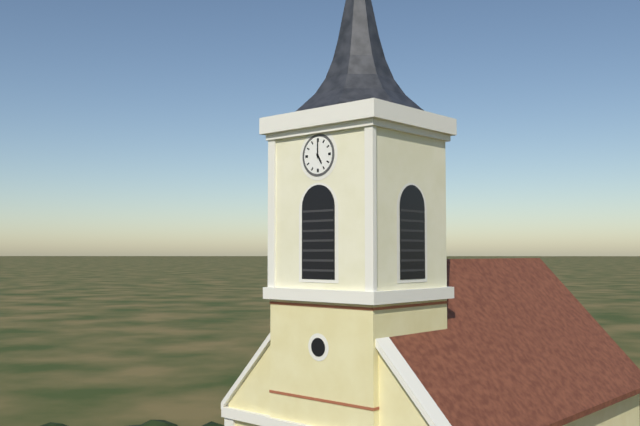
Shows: 5:00
